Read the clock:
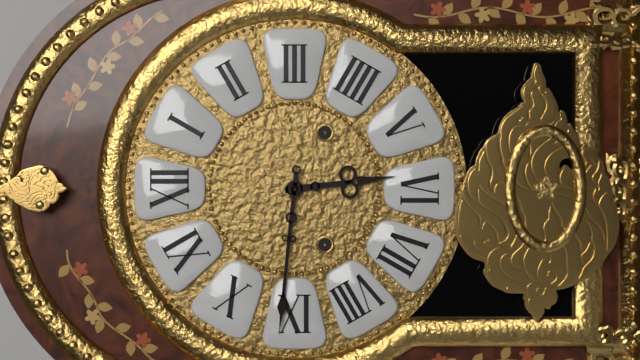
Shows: 5:46
